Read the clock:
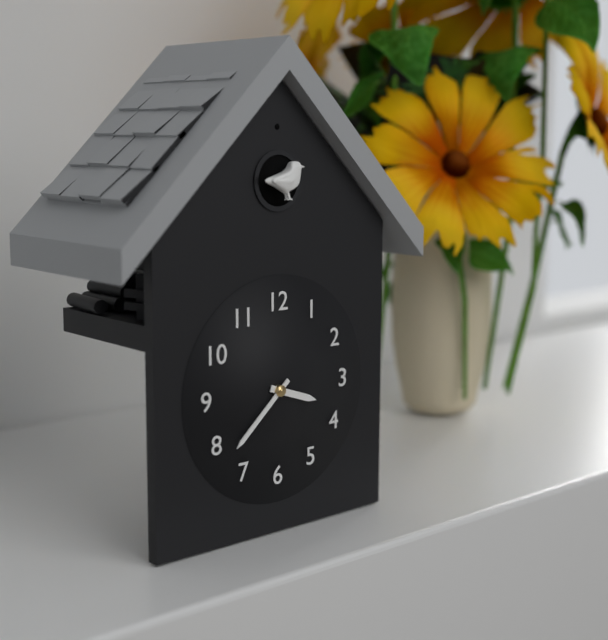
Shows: 3:38
